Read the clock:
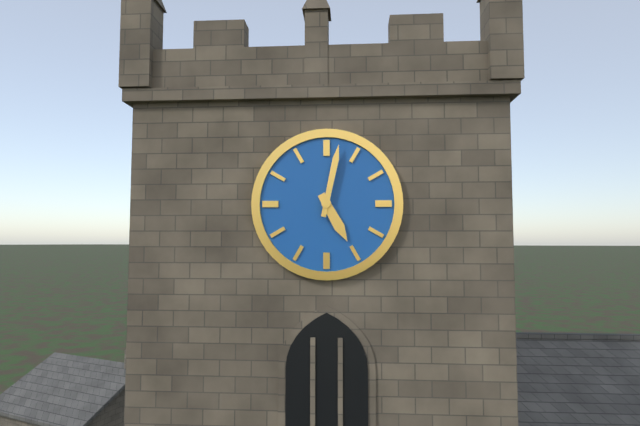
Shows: 5:02
